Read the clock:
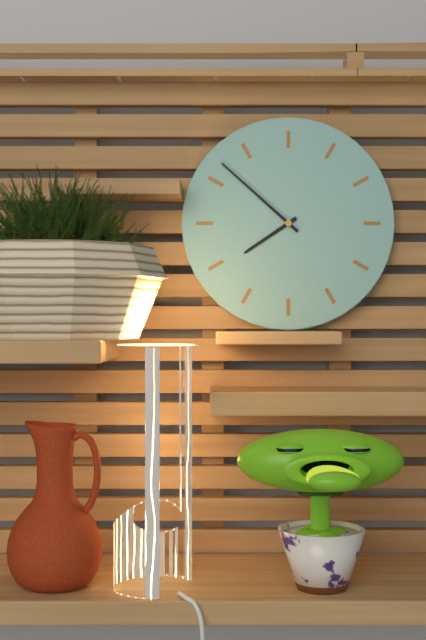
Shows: 7:52
